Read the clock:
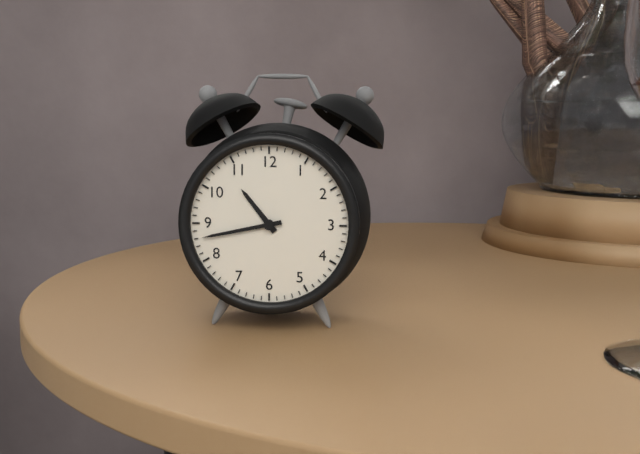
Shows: 10:43
